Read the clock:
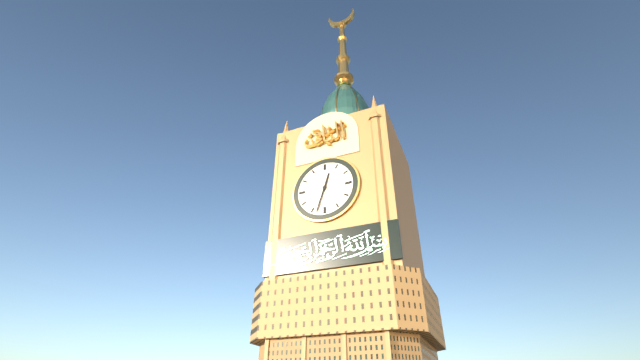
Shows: 12:33
